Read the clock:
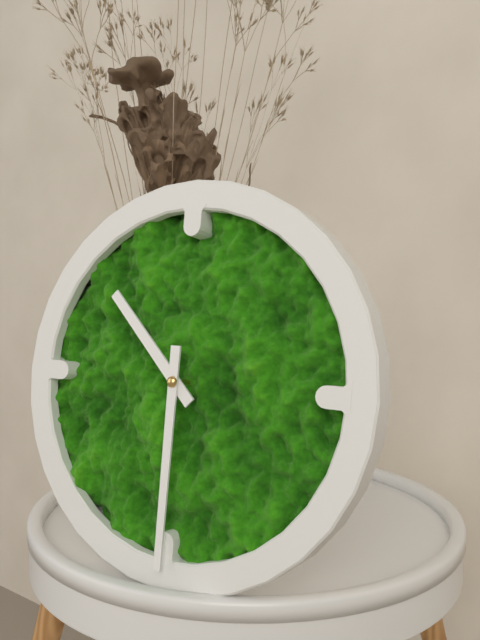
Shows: 10:30
